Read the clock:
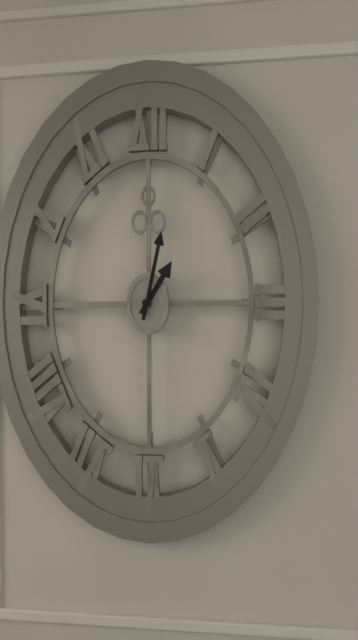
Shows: 1:02
